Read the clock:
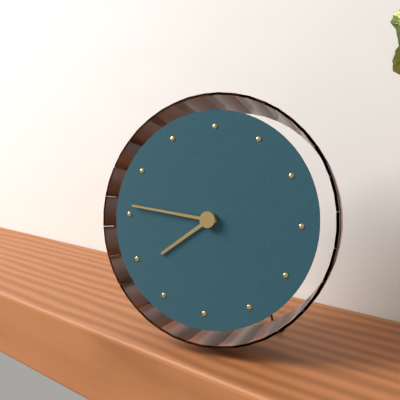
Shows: 7:46
